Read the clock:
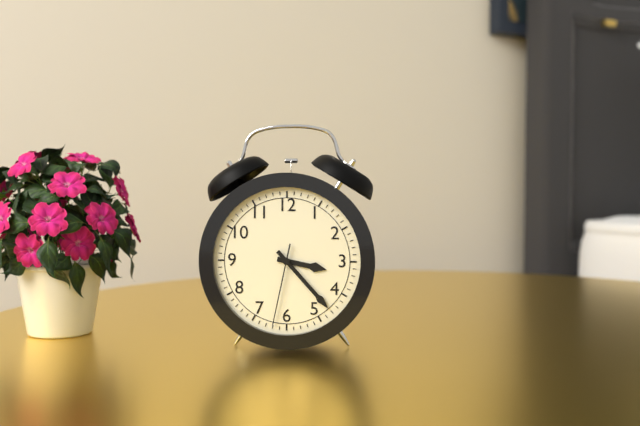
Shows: 3:23:32
